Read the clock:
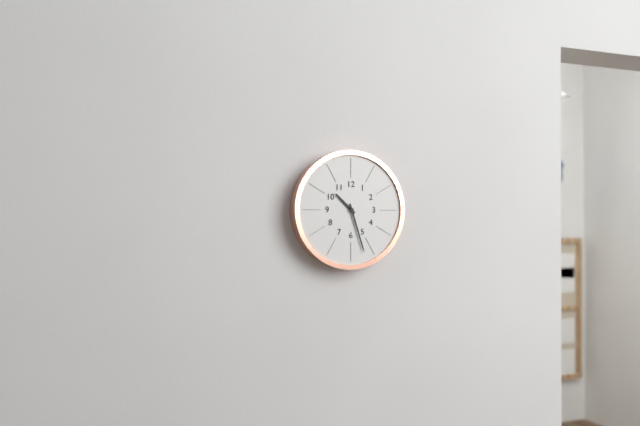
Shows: 10:27
